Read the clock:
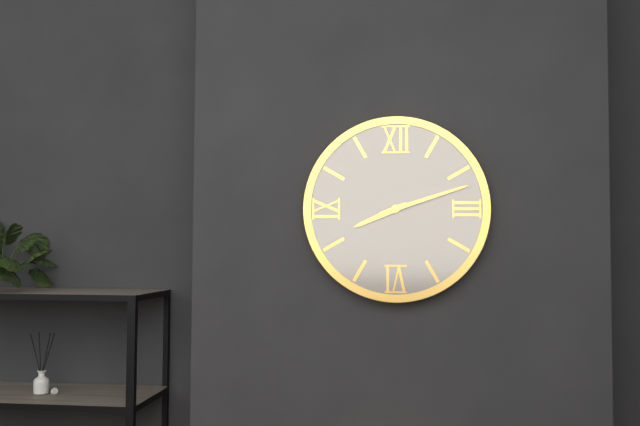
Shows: 8:12
